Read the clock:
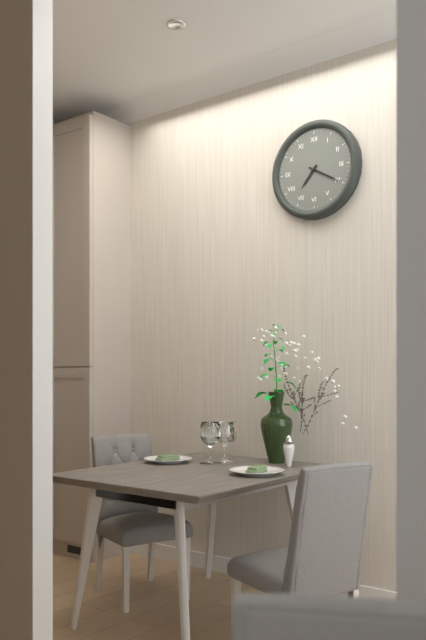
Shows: 7:20
